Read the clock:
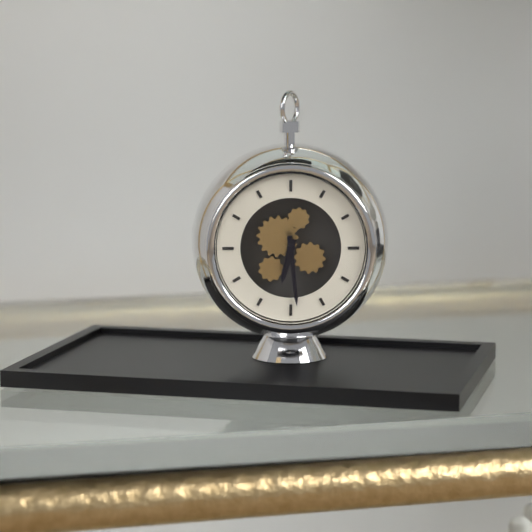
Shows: 6:29
